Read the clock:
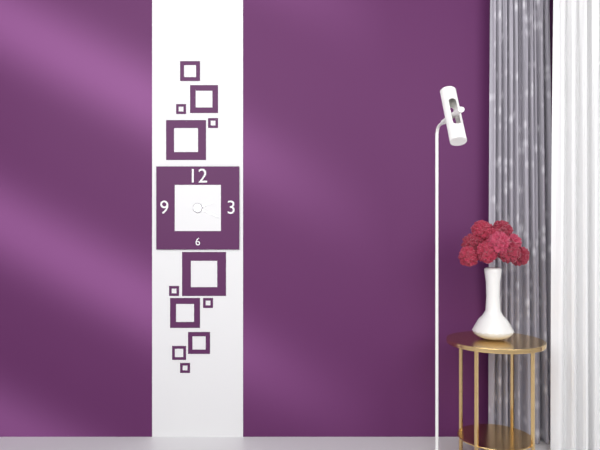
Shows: 2:19
